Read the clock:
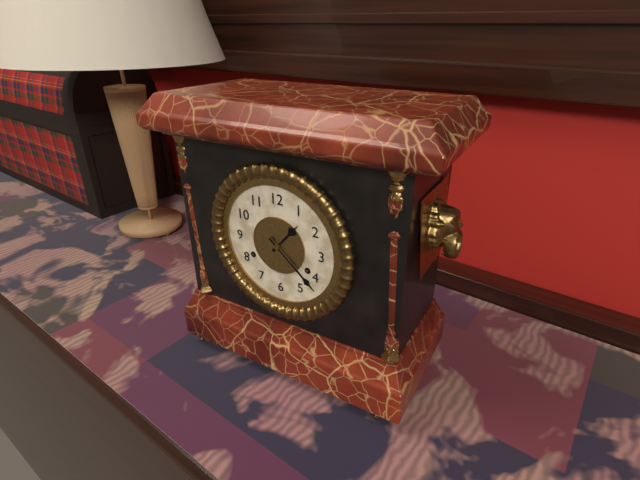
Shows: 1:22
